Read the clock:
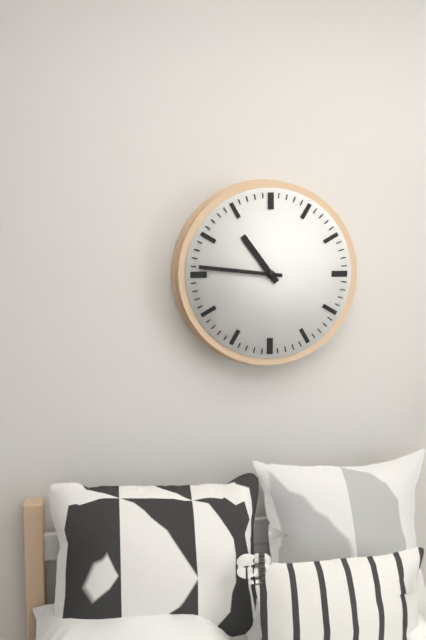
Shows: 10:46
